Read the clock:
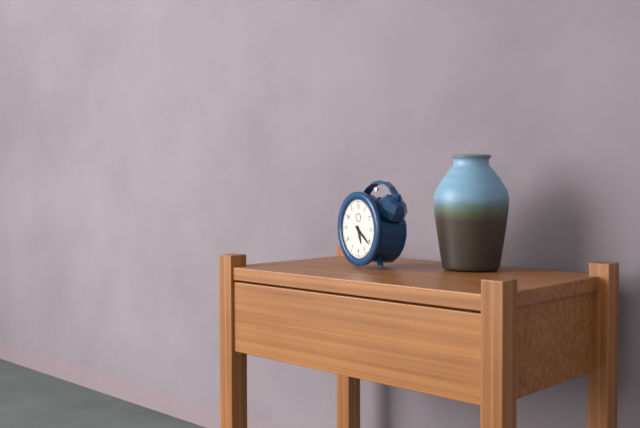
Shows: 5:21
